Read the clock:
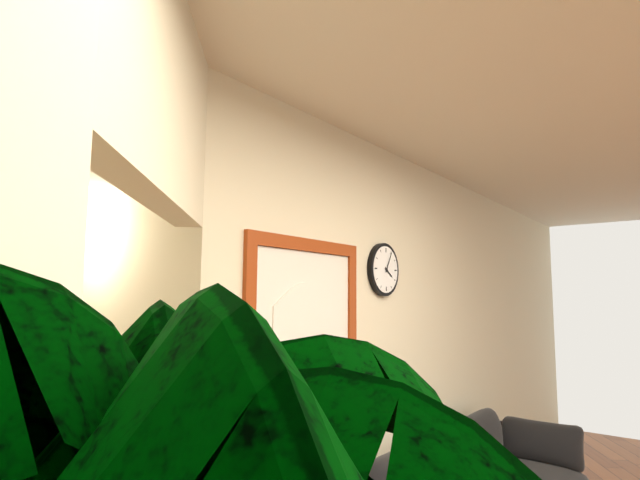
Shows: 4:05
